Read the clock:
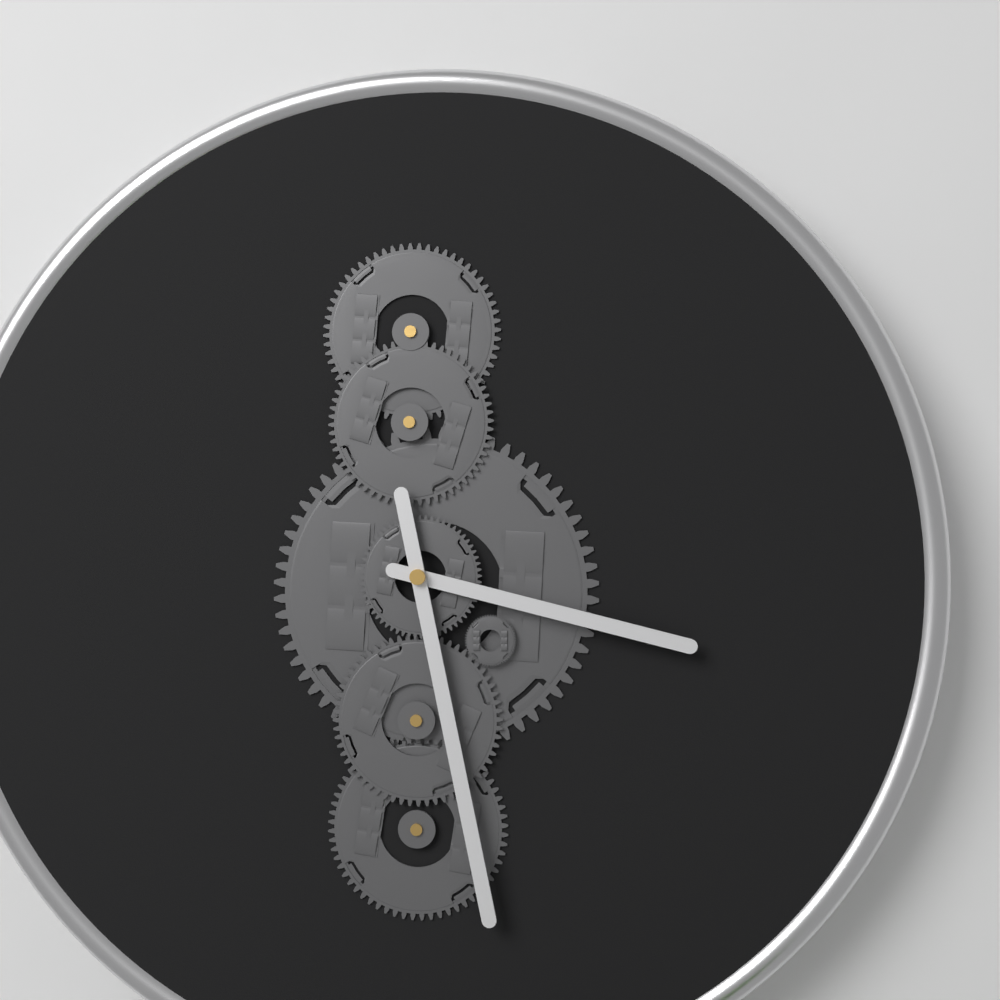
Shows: 3:28
